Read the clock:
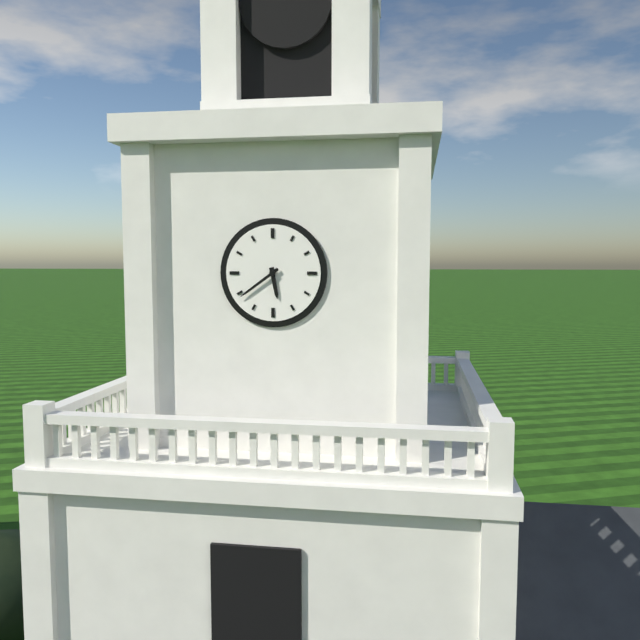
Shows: 5:39
